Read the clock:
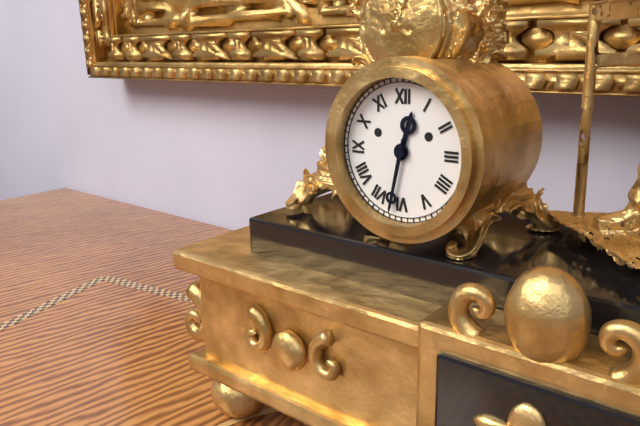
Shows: 12:32
